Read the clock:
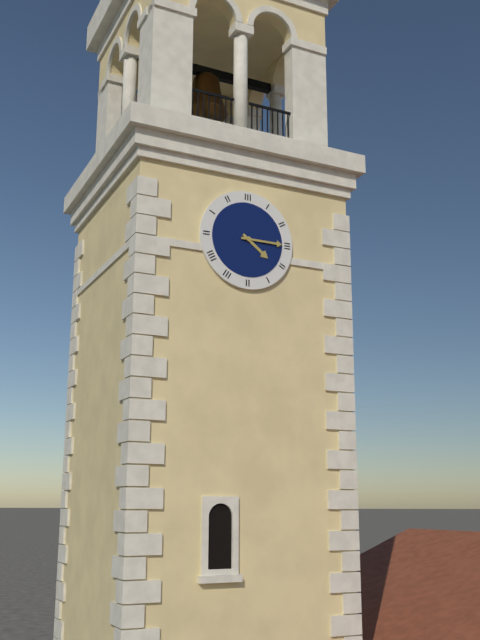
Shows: 4:15
